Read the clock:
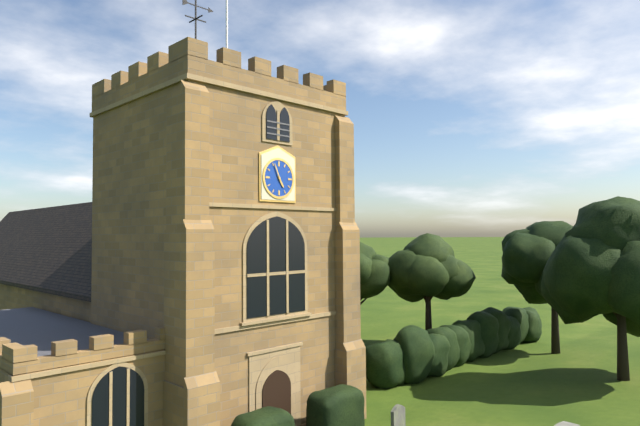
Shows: 4:56
